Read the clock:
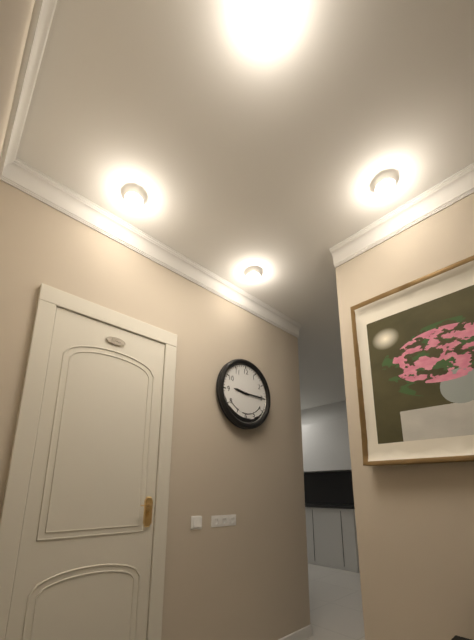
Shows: 9:15
